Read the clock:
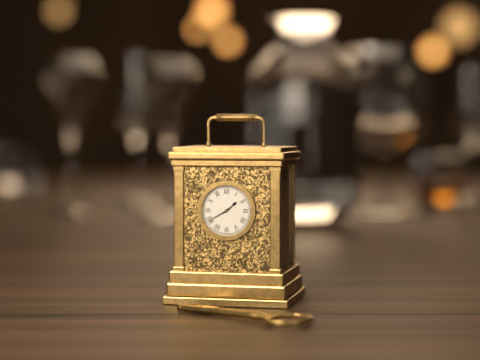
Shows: 1:40
